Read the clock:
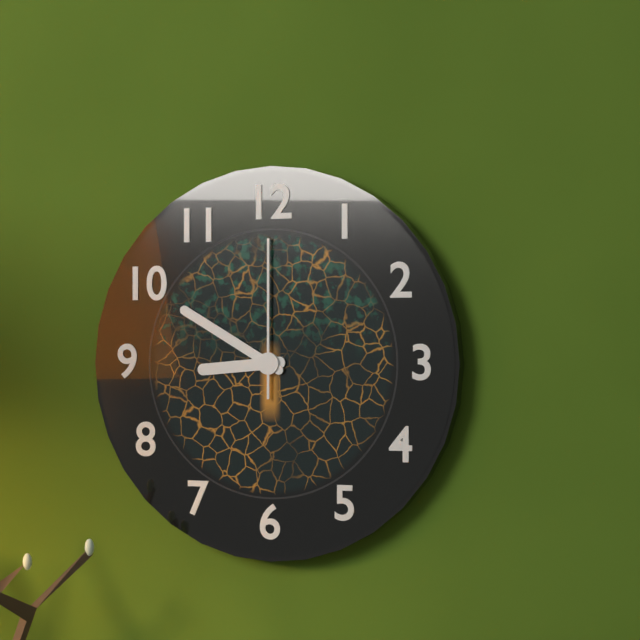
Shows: 8:50:00
